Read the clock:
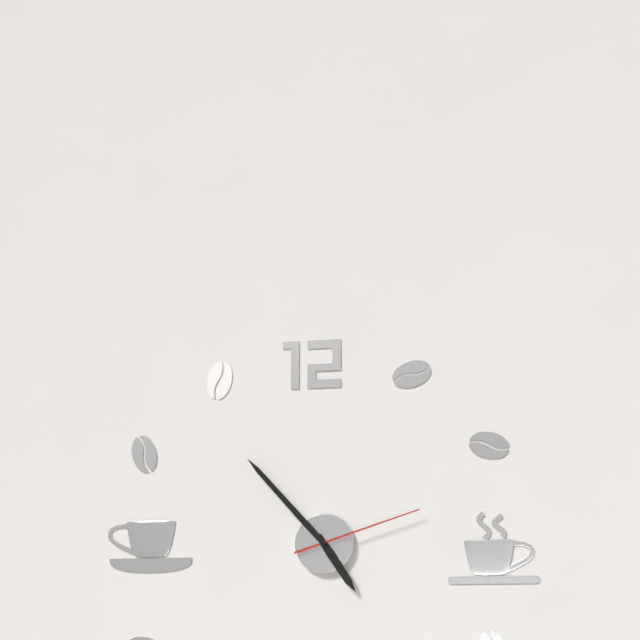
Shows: 4:53:12
